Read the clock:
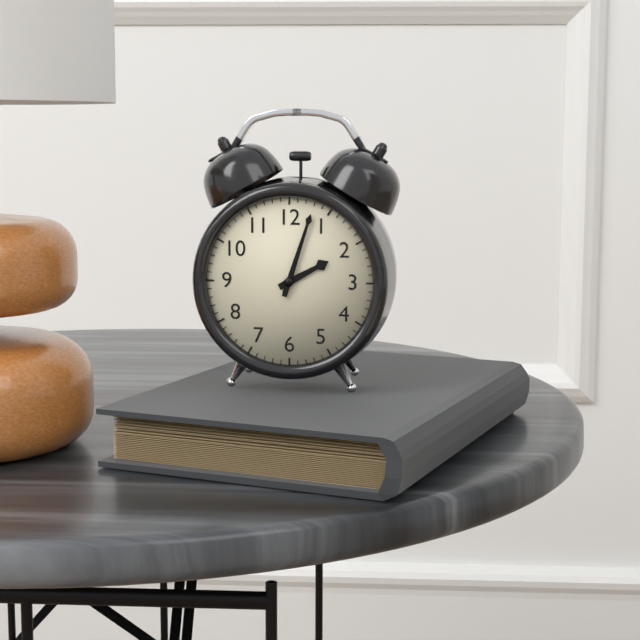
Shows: 2:03
